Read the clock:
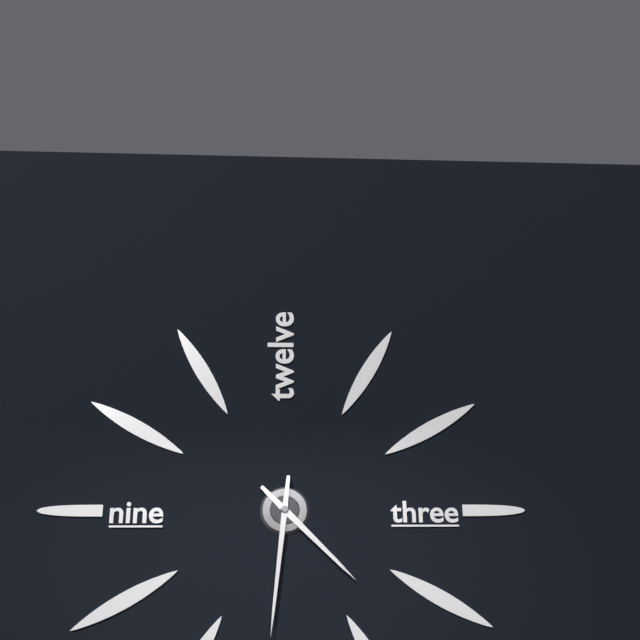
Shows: 4:31
